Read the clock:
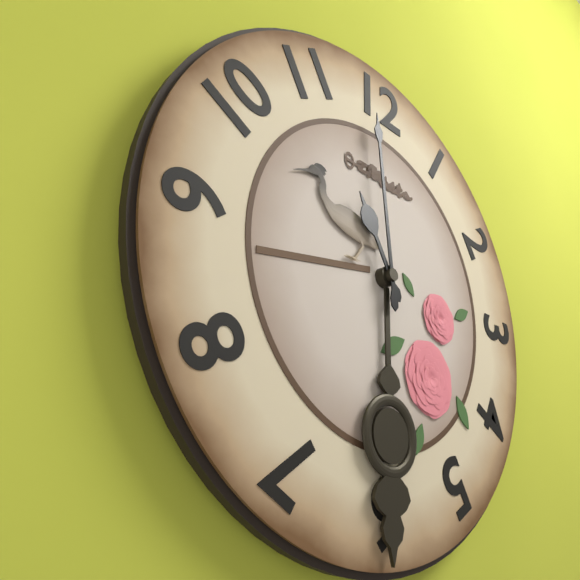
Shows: 10:59
